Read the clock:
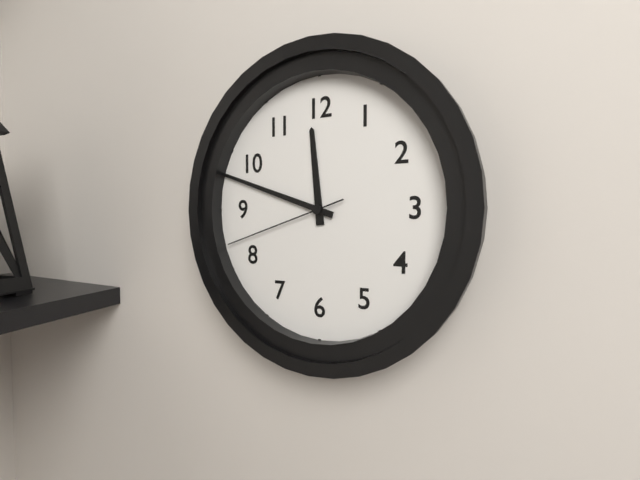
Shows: 11:48:42
